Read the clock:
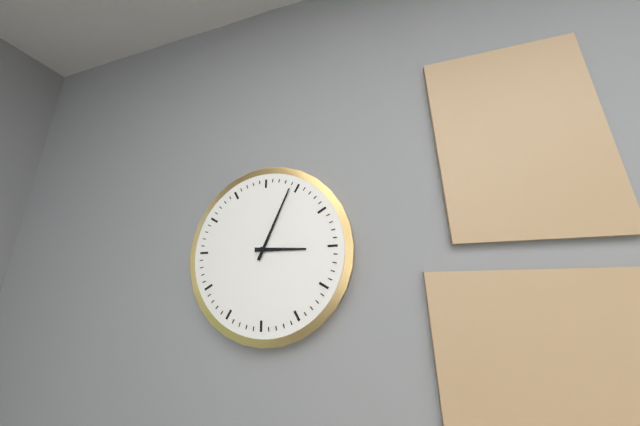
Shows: 3:04
